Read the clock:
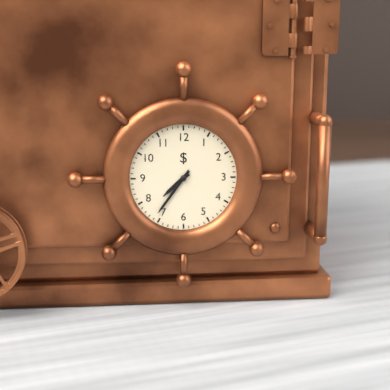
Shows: 7:36
